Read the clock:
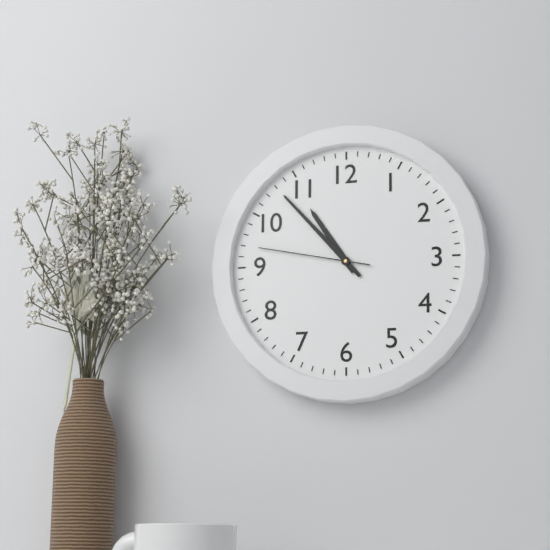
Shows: 10:53:47
